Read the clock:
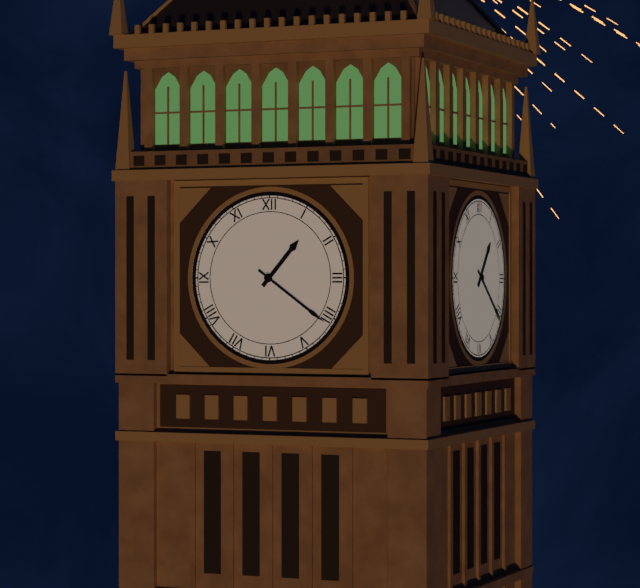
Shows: 1:21
